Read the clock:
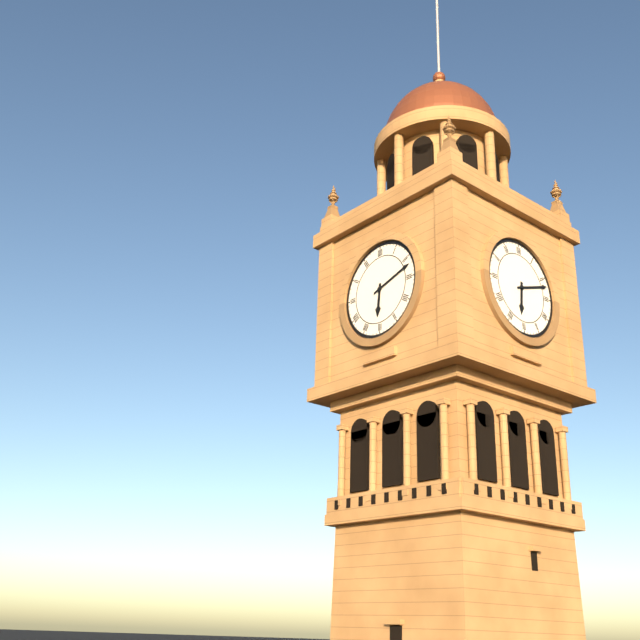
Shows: 6:12
